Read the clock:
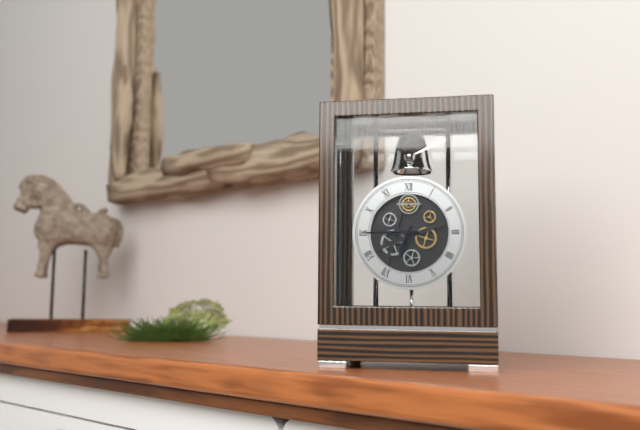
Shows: 6:45
